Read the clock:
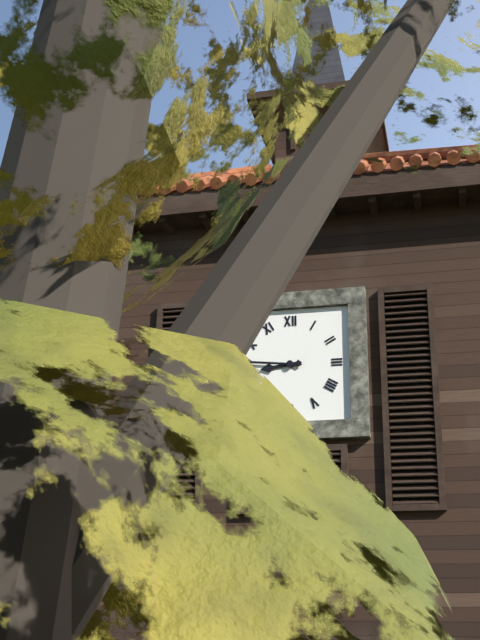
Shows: 8:46
